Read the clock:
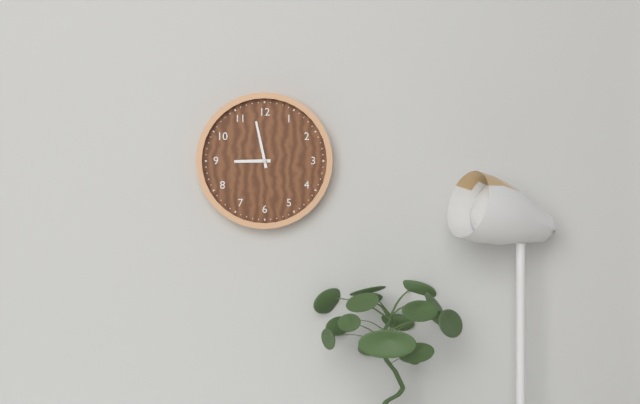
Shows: 8:58
